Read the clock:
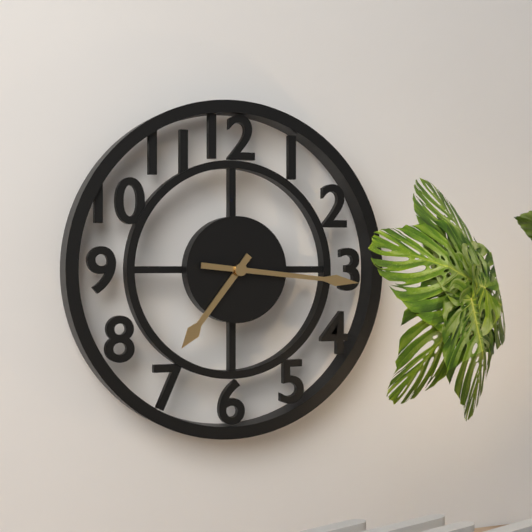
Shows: 7:16
